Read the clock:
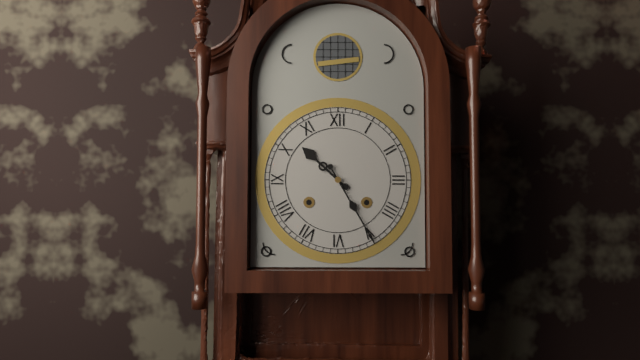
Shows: 10:25
